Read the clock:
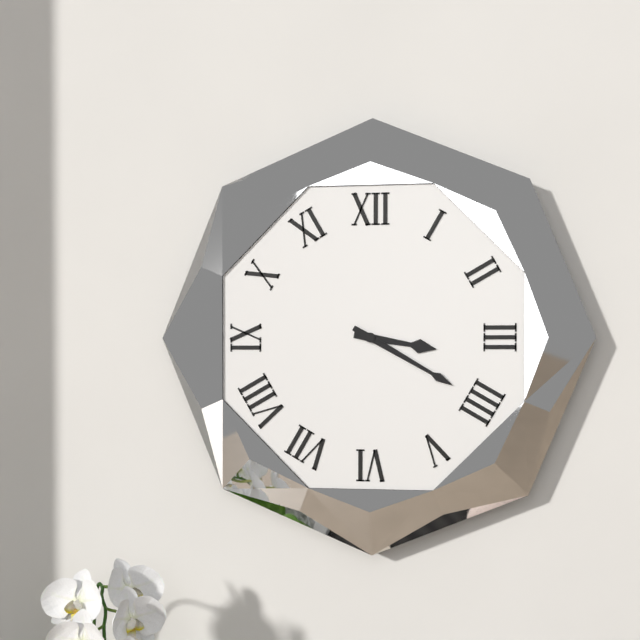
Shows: 3:20
